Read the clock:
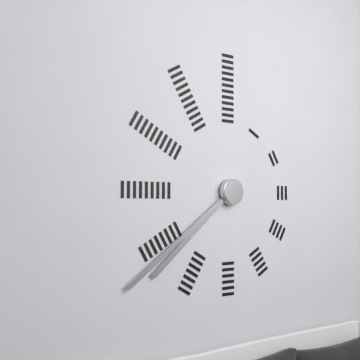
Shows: 7:39
